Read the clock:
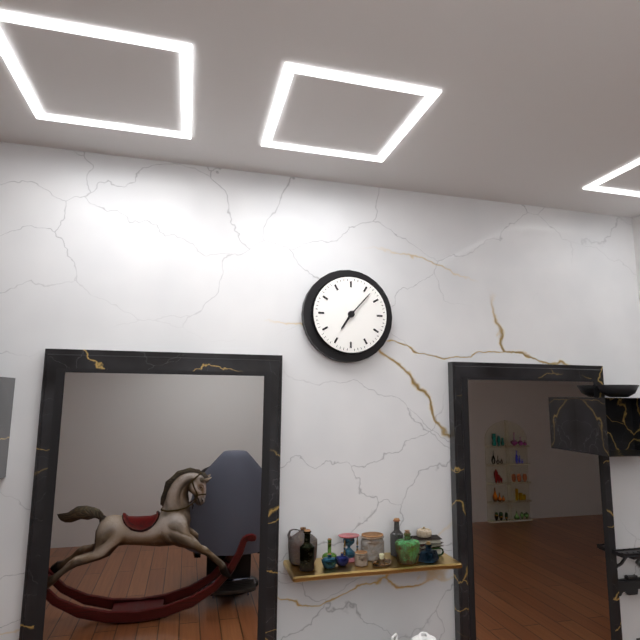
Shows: 7:07
